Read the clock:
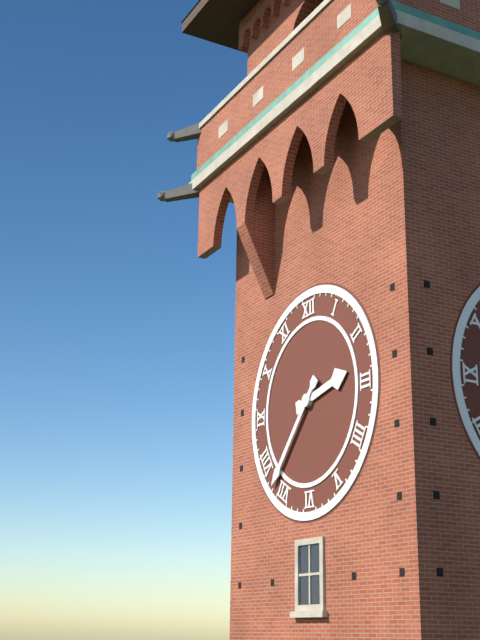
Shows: 2:37
